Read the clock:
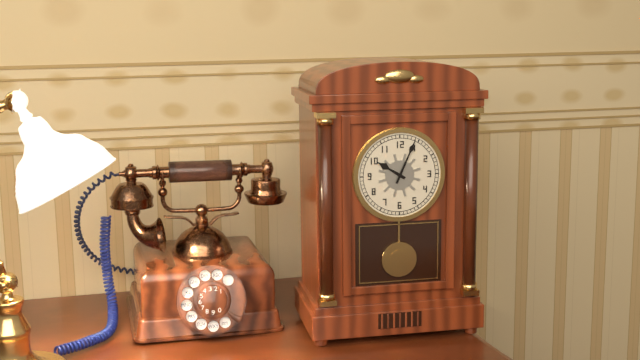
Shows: 10:04
